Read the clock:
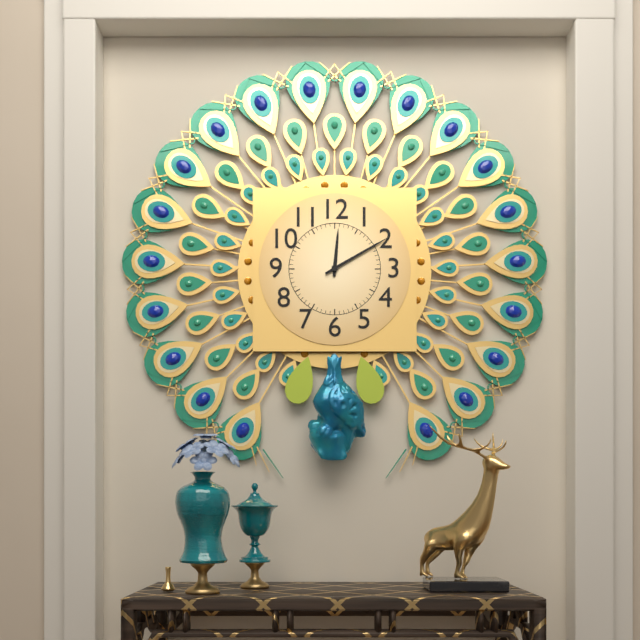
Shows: 12:10
